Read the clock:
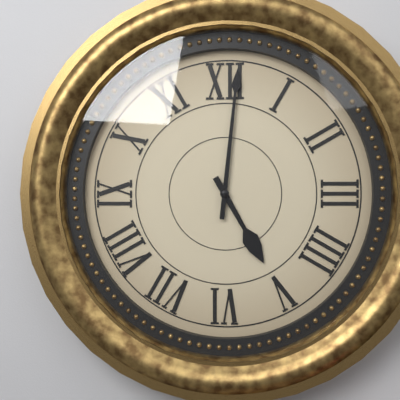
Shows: 5:01
